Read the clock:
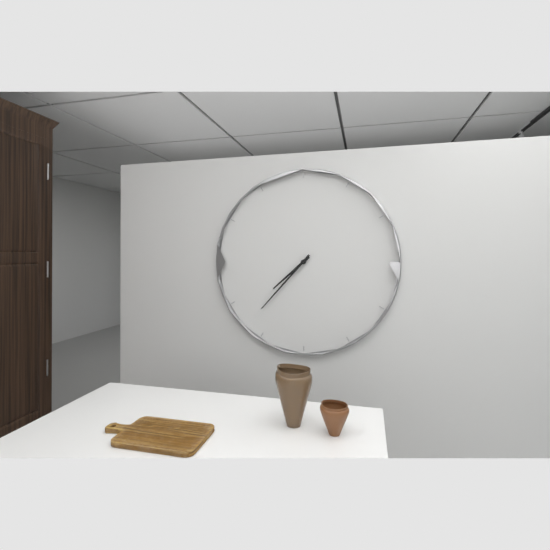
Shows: 7:37
